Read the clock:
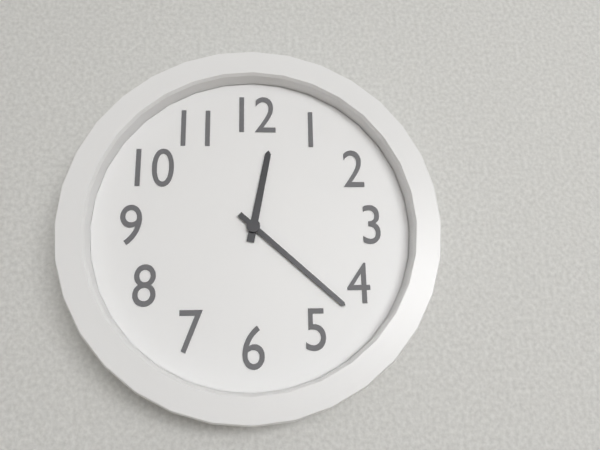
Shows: 12:22
